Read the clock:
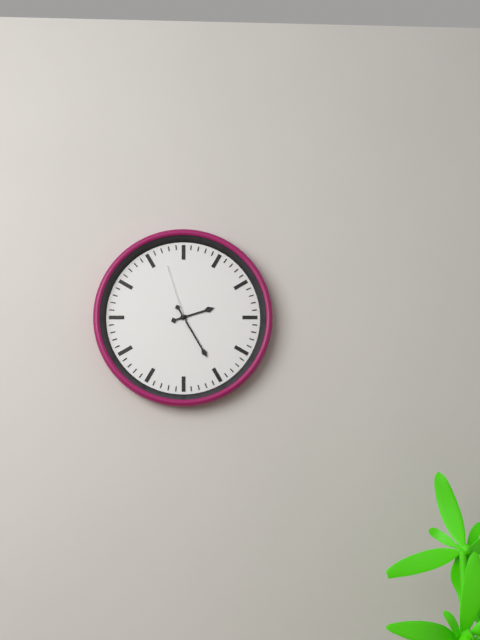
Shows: 2:25:57
